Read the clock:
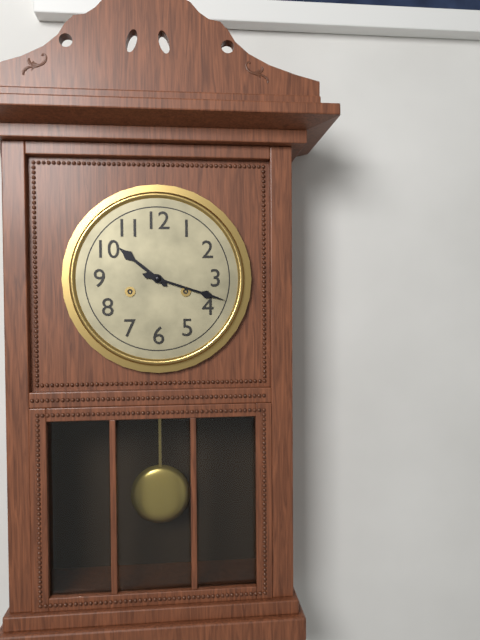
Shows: 10:18
